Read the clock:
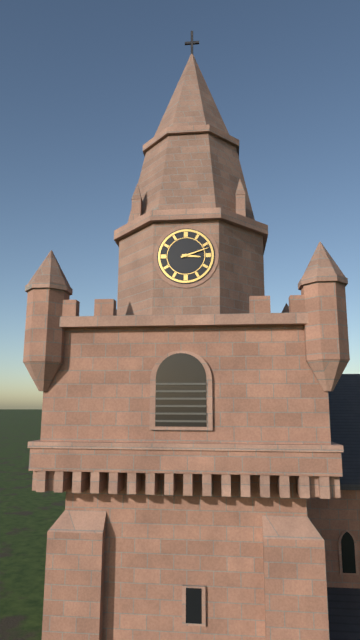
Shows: 3:12
